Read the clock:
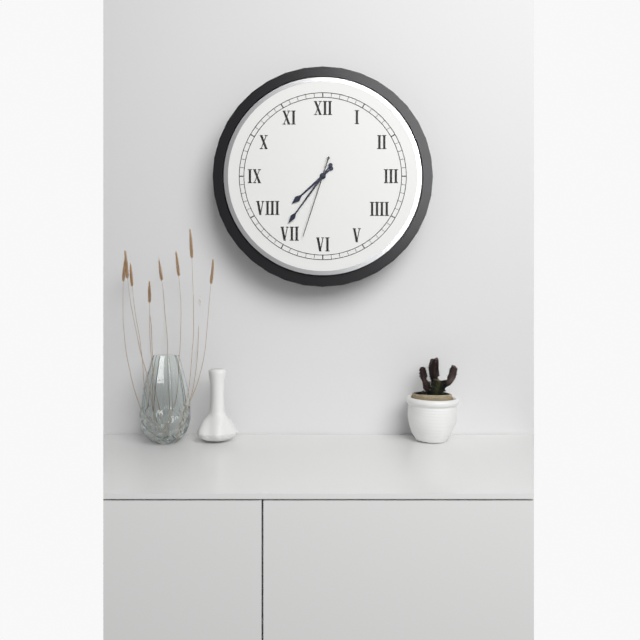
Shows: 7:36:33
